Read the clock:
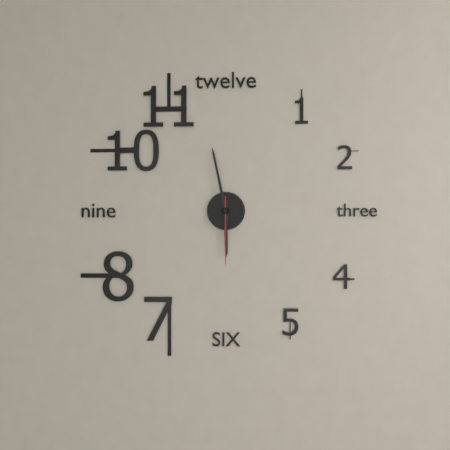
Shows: 5:58:30
